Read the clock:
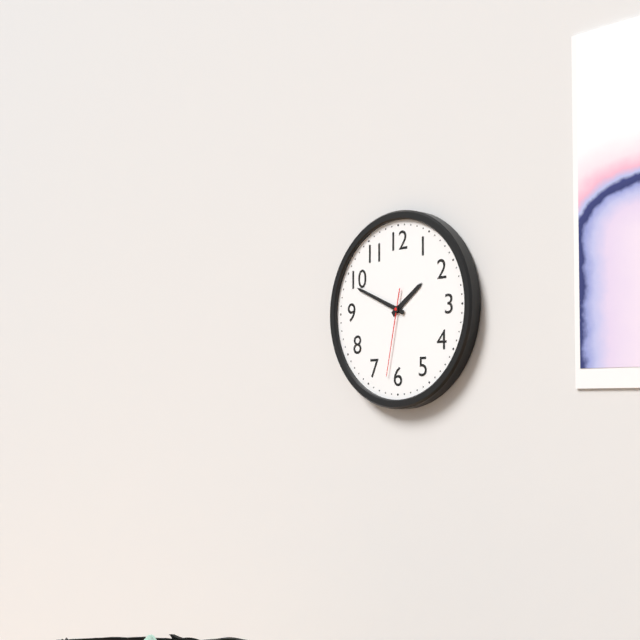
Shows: 1:49:32
